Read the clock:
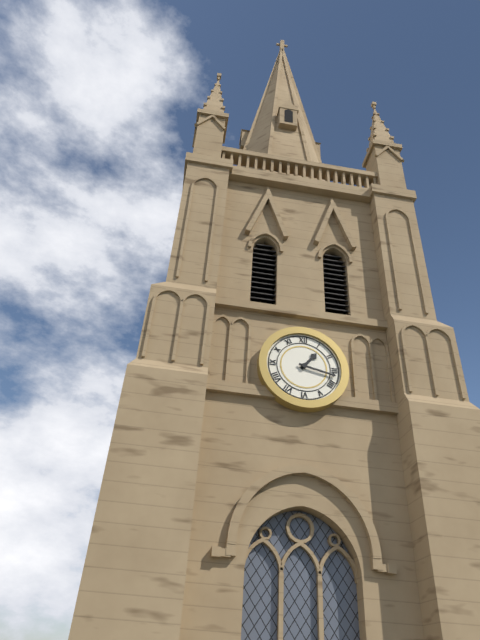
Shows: 1:17
